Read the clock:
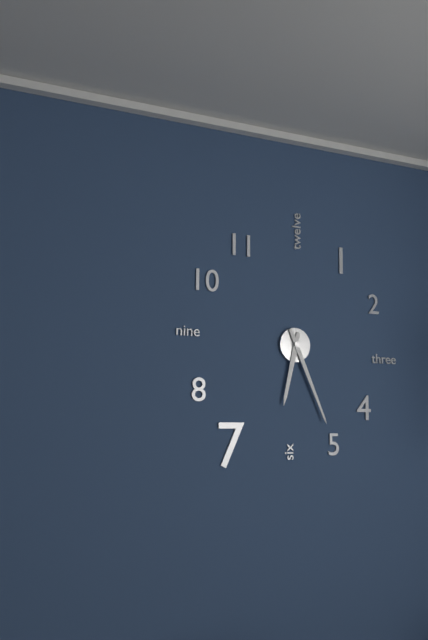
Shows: 6:26
